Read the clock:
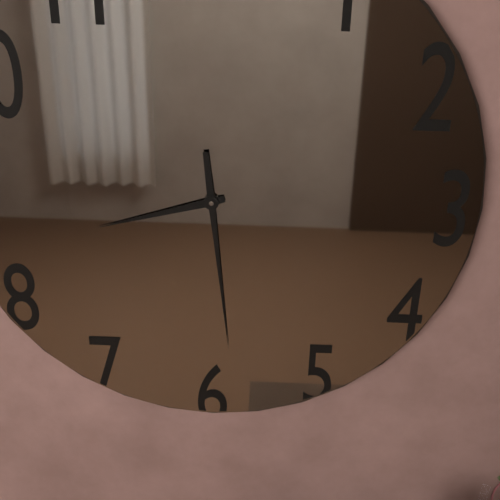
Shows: 8:29
